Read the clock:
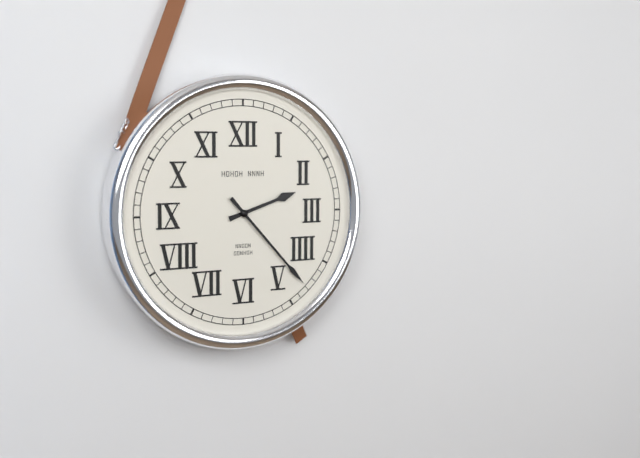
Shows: 2:23
